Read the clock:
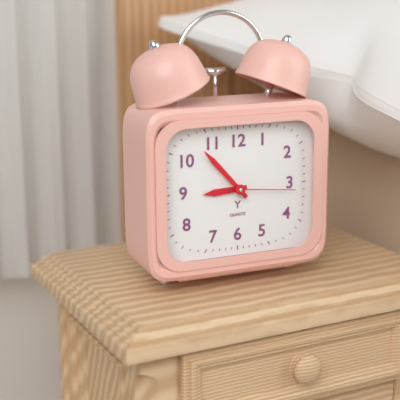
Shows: 8:53:16
